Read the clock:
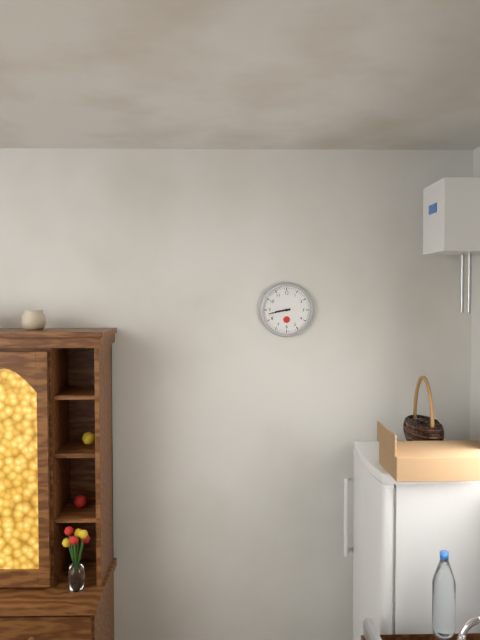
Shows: 8:43
